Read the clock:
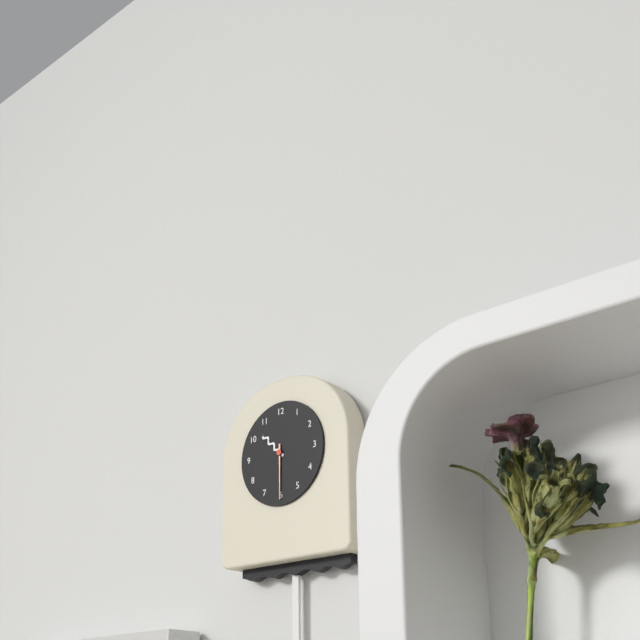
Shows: 10:30
